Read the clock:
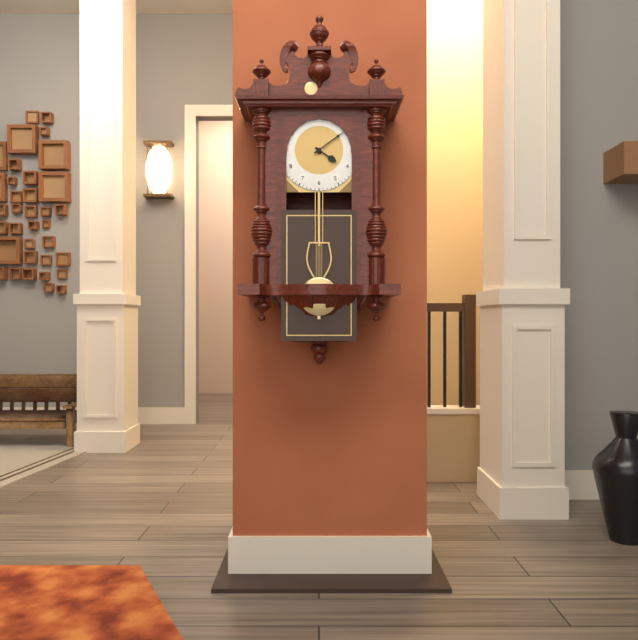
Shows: 4:09
